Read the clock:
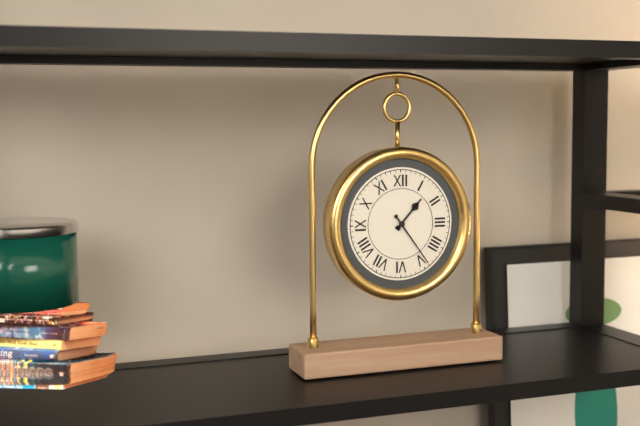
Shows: 1:24
